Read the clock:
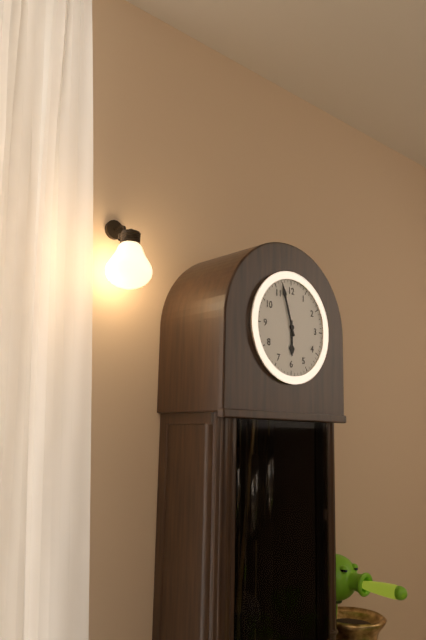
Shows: 5:57
